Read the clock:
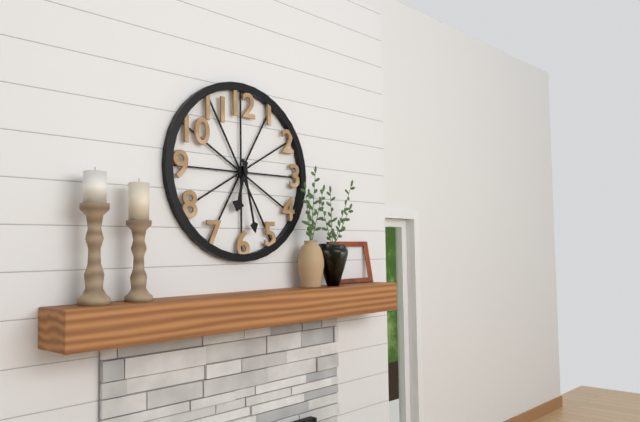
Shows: 6:28
